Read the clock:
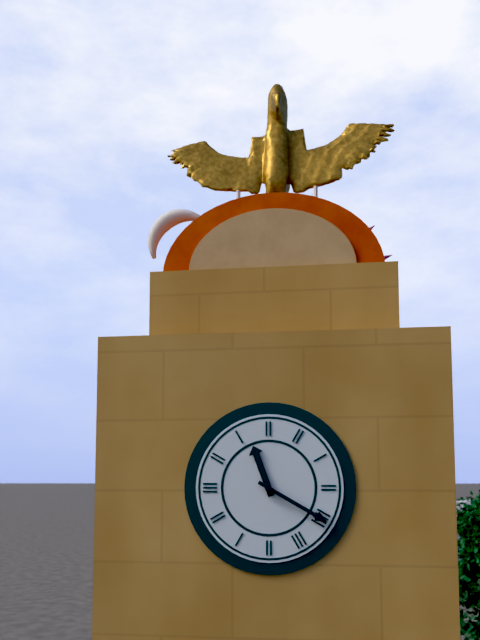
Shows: 11:20
